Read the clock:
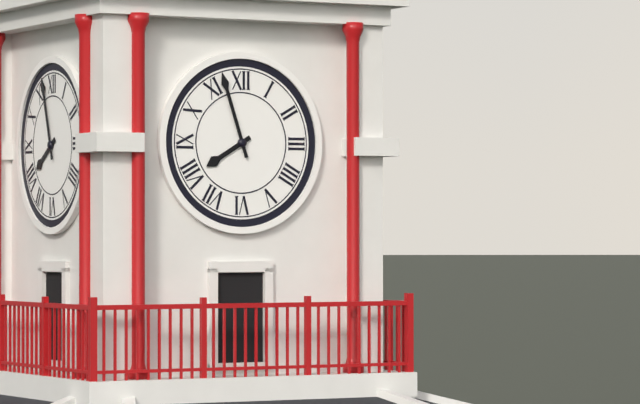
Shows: 7:57
